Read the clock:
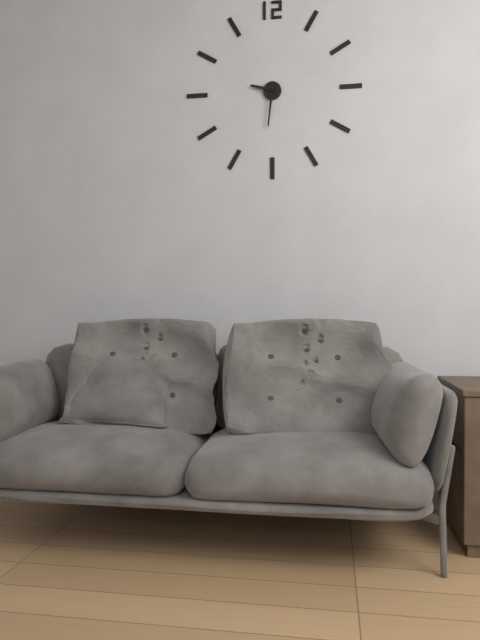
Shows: 9:31
